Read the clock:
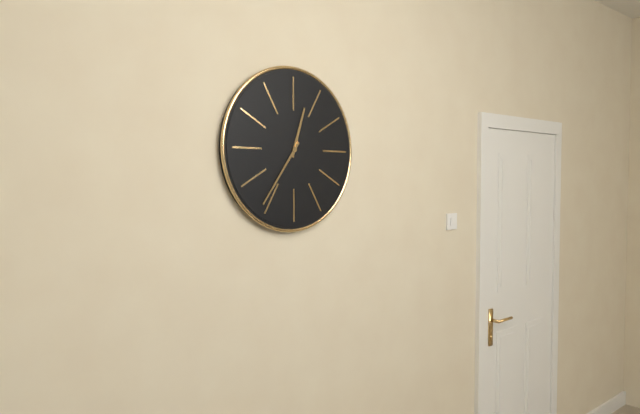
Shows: 12:36
